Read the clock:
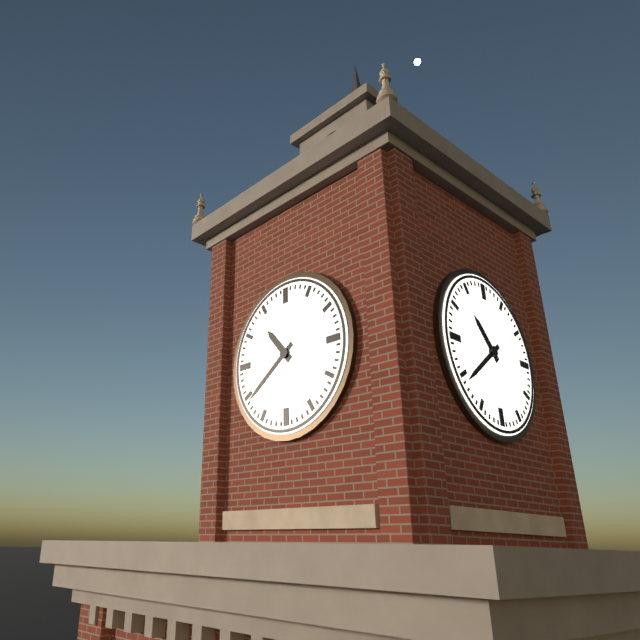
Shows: 10:39
